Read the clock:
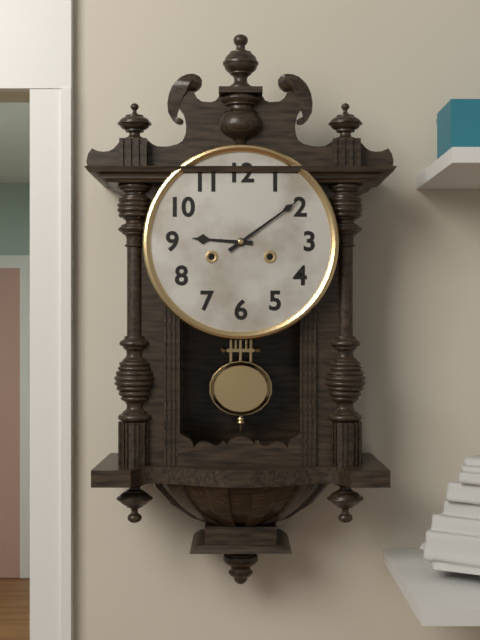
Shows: 9:09
